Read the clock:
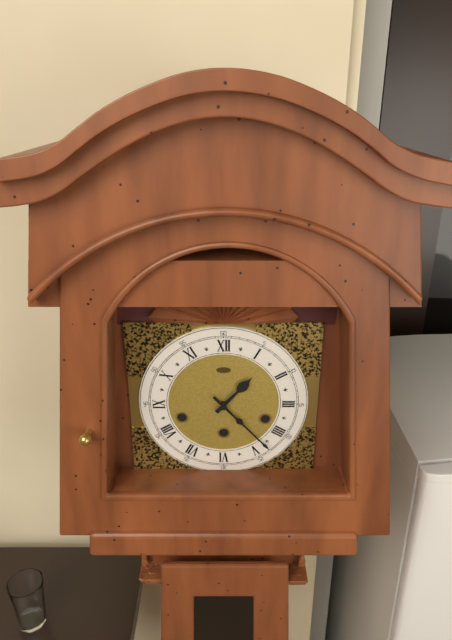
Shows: 1:23
